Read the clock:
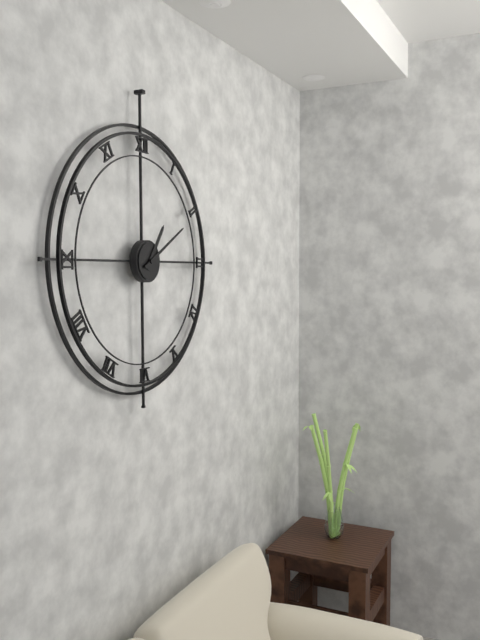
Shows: 1:10
